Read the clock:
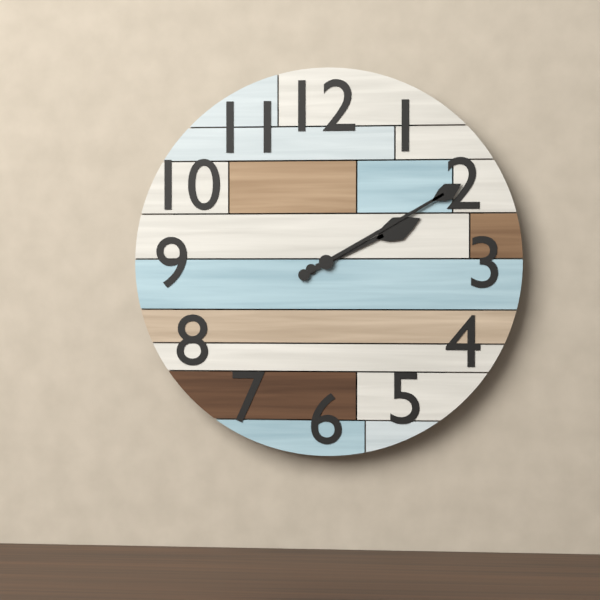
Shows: 2:10
